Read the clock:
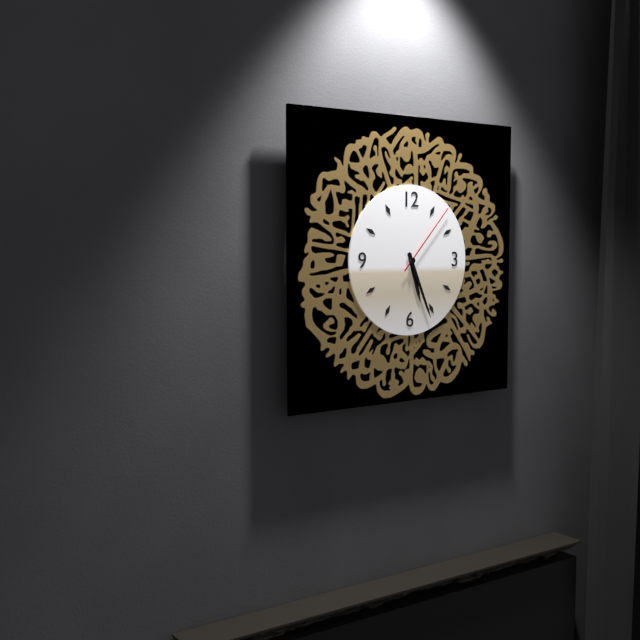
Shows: 5:26:07
